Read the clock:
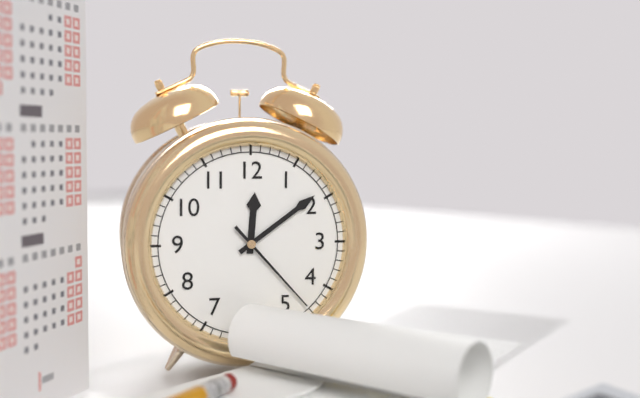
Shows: 12:09:23
